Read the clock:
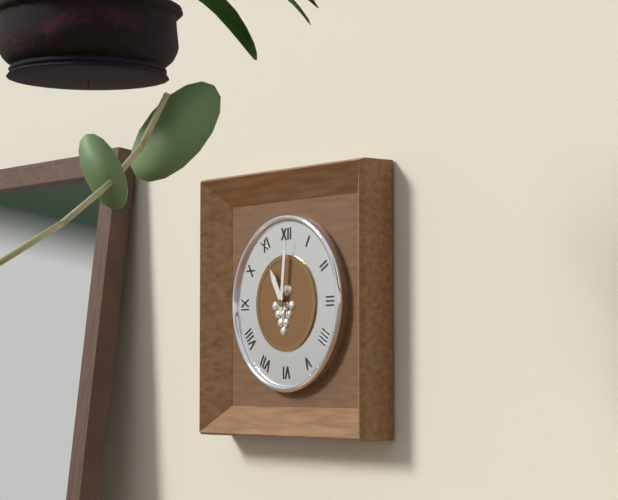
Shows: 11:01
